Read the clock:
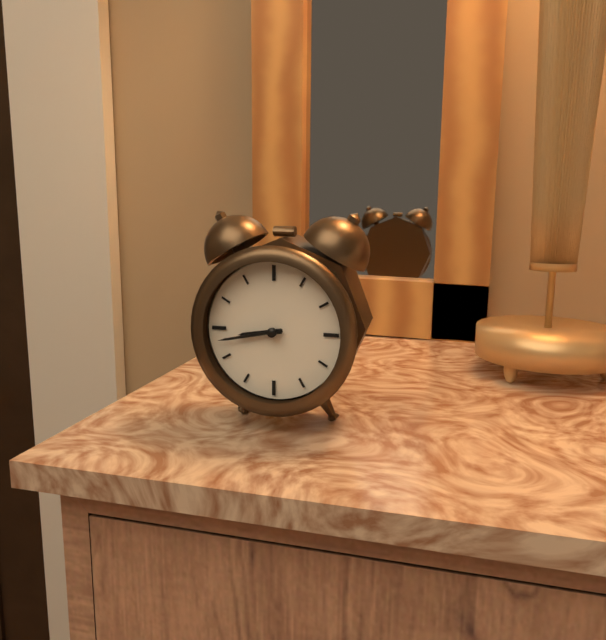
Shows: 8:43
